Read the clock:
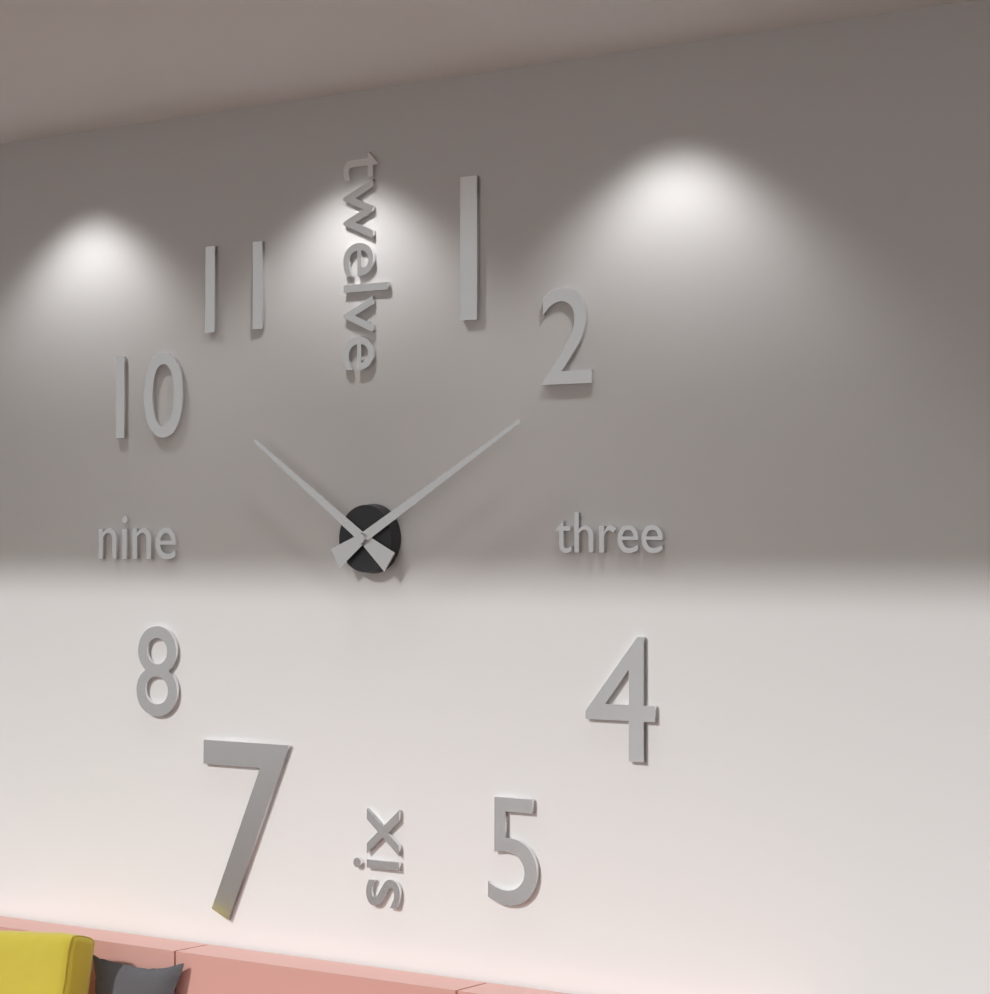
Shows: 10:10
